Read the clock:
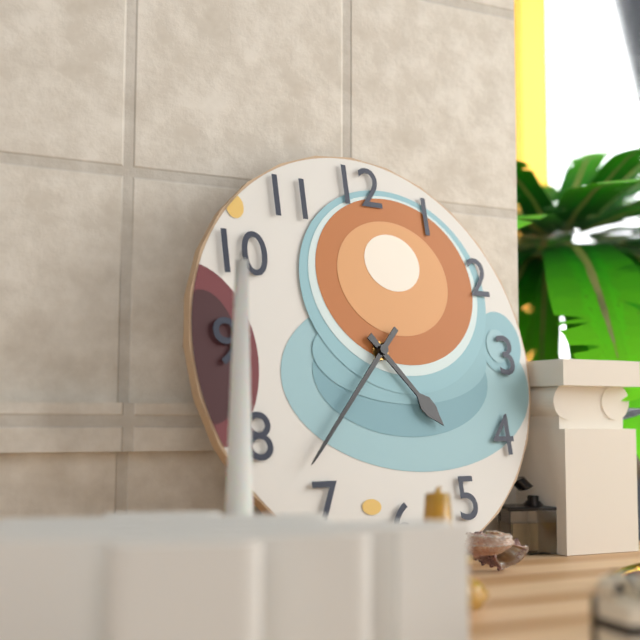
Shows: 4:37
